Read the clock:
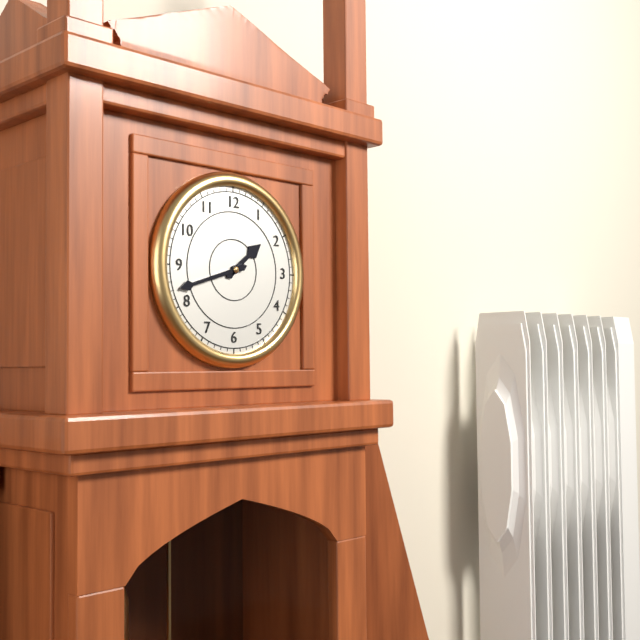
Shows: 1:42
